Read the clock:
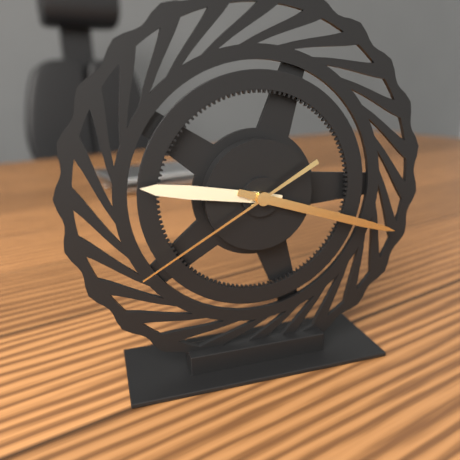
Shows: 9:18:40
